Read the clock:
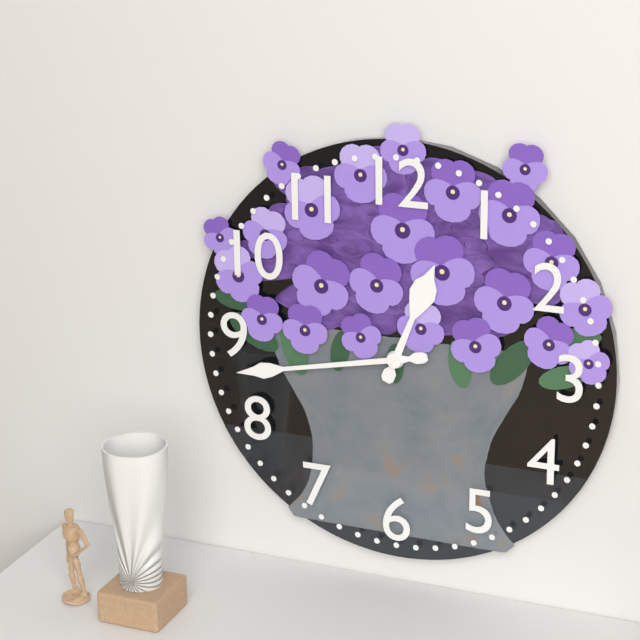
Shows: 12:43
